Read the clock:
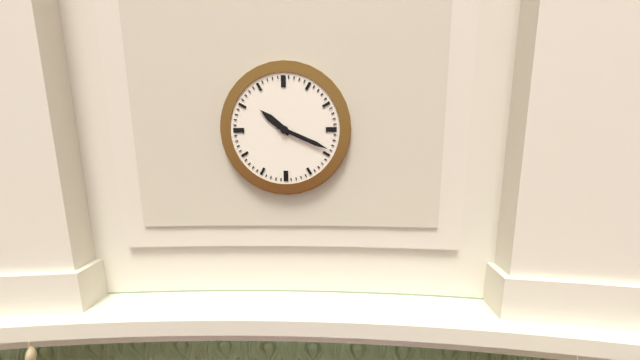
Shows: 10:19
